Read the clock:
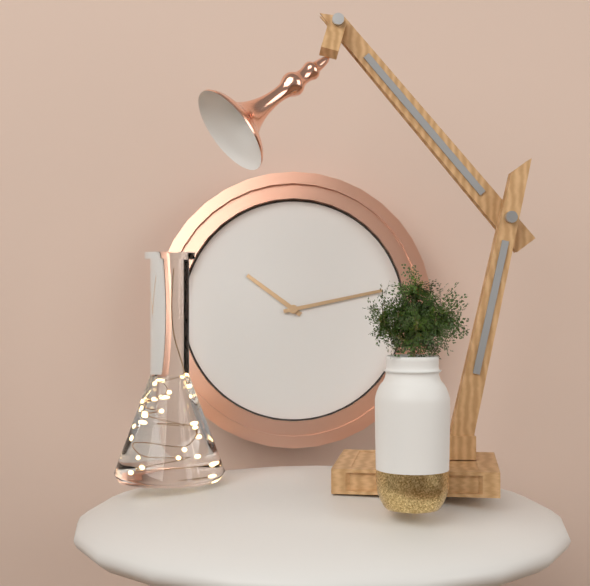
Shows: 10:13
